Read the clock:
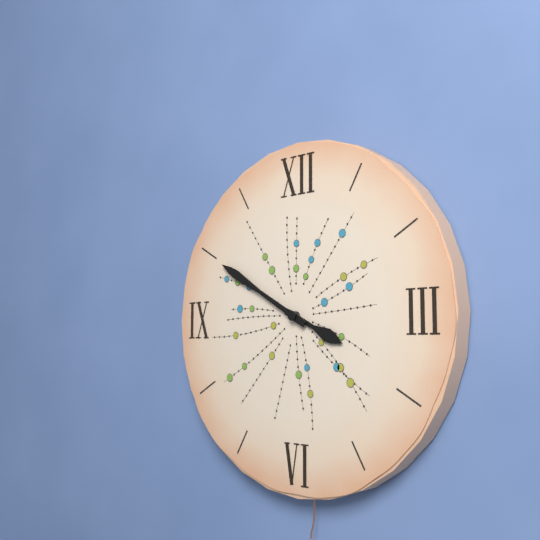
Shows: 3:50
